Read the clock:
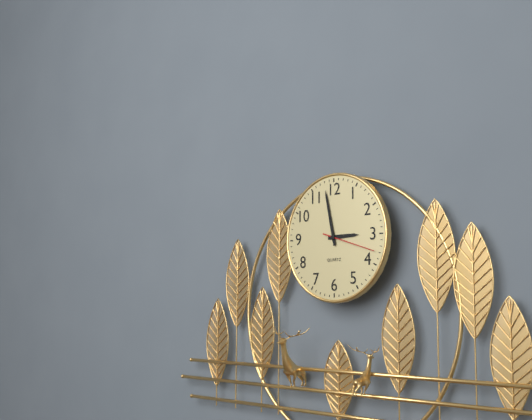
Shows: 2:58:18
